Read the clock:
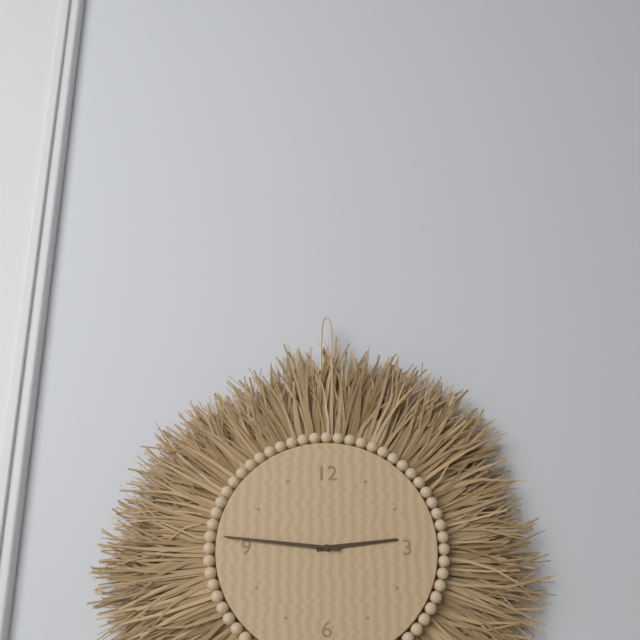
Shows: 2:46
